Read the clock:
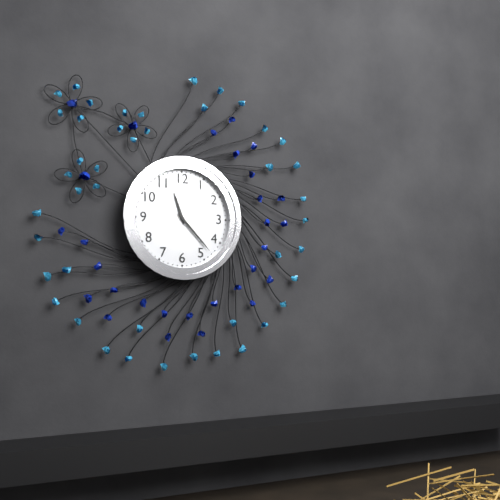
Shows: 11:23
